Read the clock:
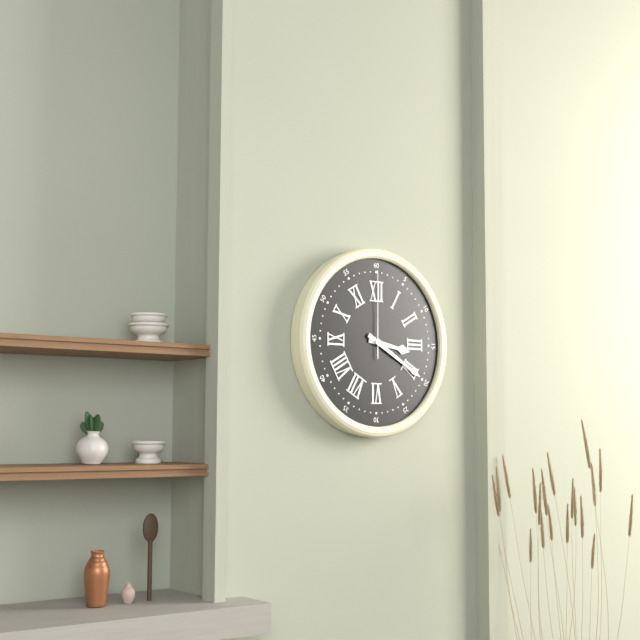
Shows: 3:20:00
